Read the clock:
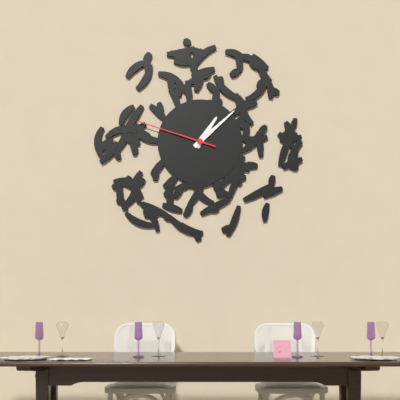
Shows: 1:08:48
